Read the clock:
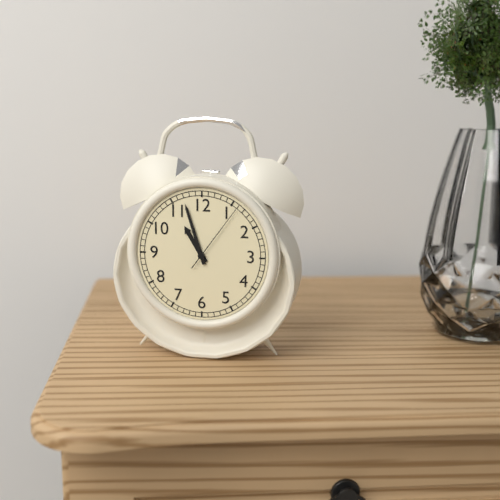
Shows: 10:57:06
